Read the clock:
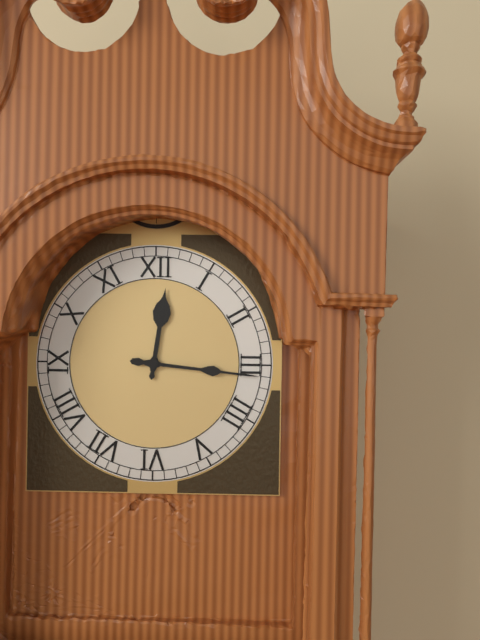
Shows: 12:16
